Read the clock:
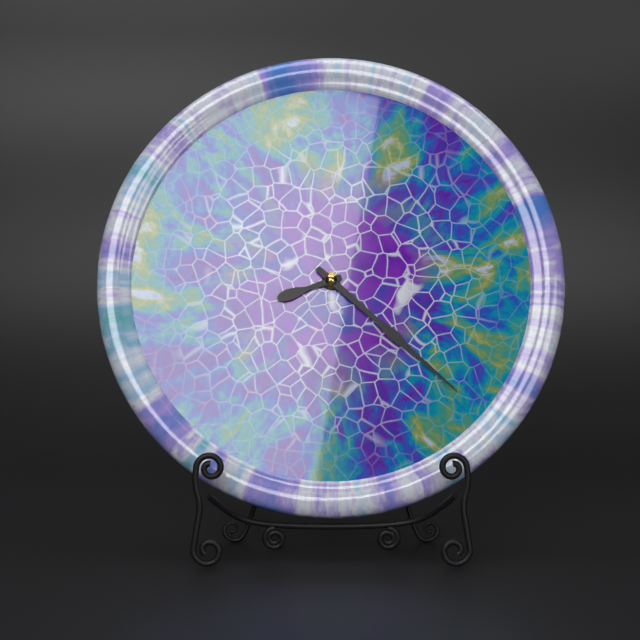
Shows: 8:22
